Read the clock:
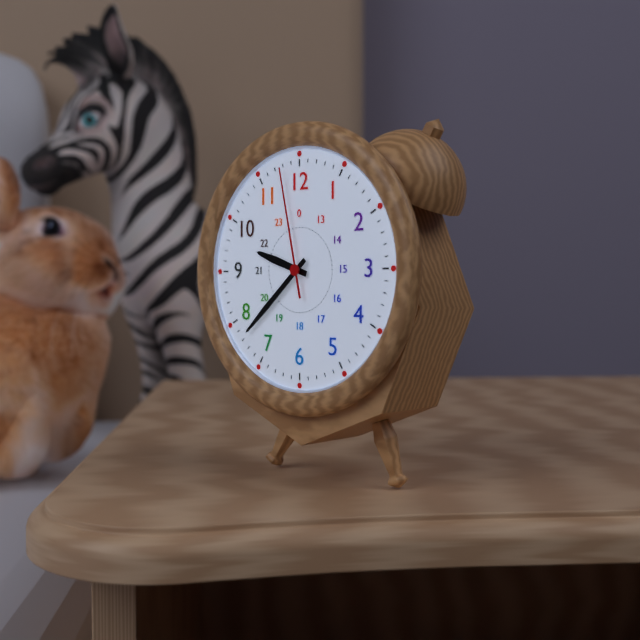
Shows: 9:38:58
